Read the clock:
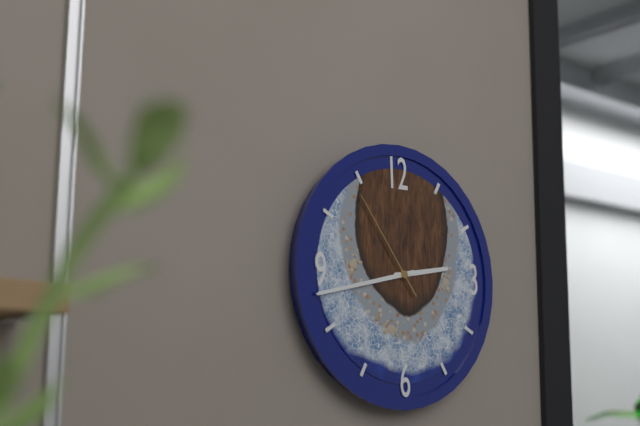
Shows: 2:43:54
